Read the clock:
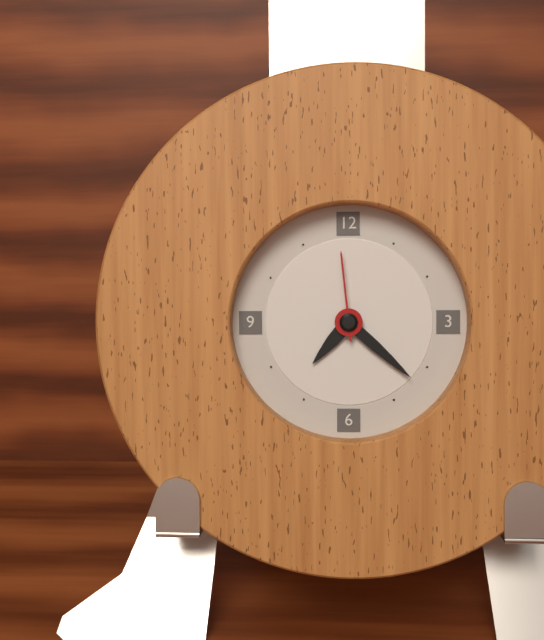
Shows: 7:22:59
